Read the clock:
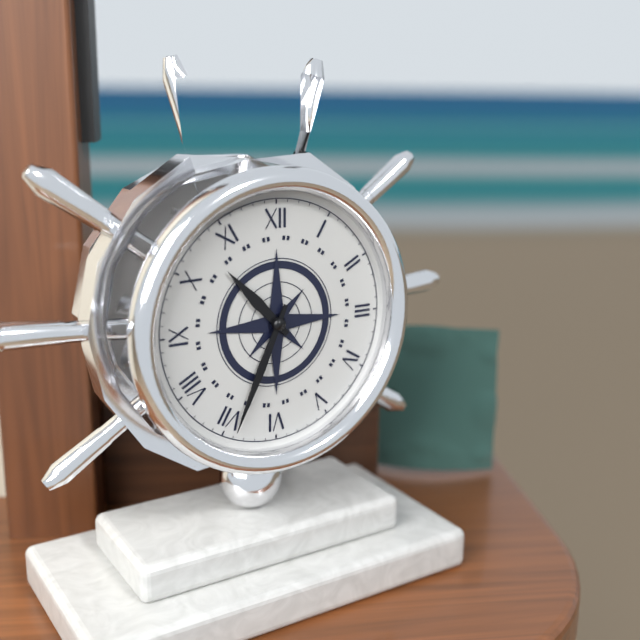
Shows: 10:34
